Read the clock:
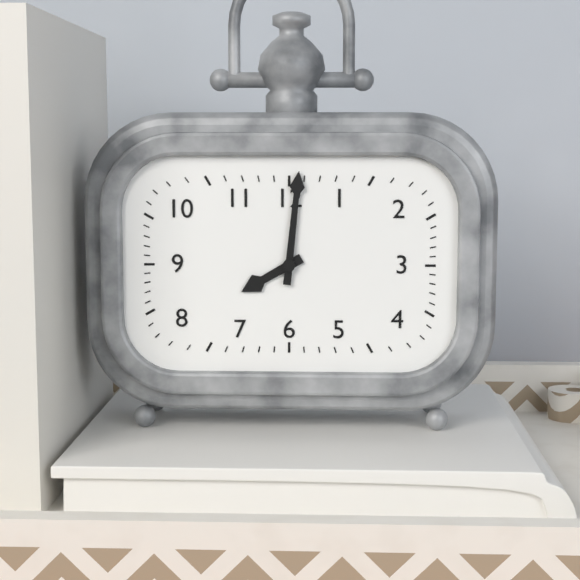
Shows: 8:01
